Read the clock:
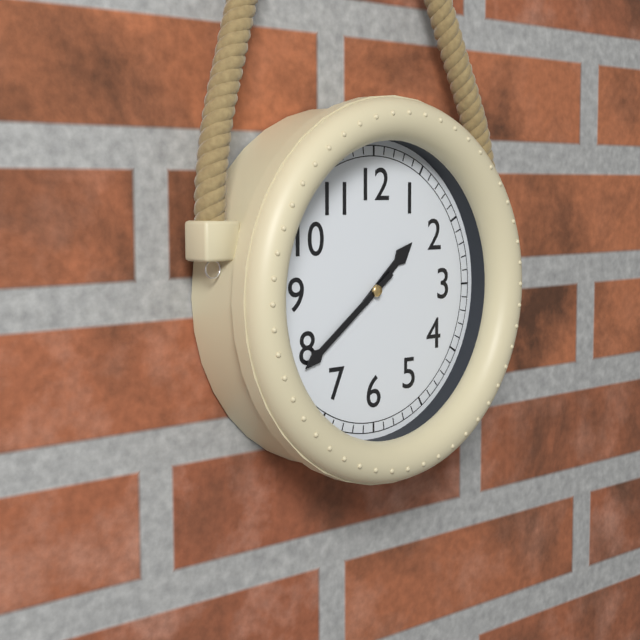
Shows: 1:39
